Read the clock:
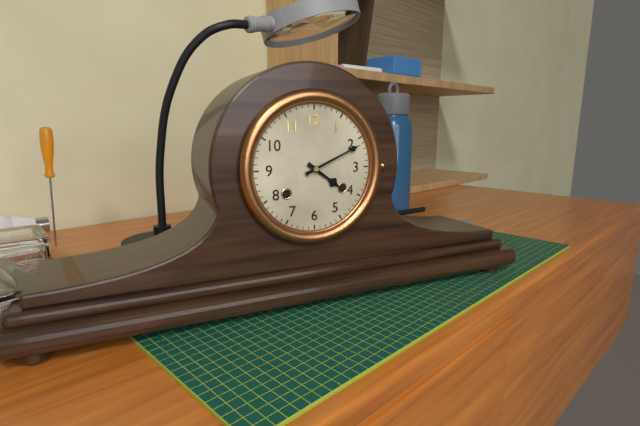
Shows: 4:11
